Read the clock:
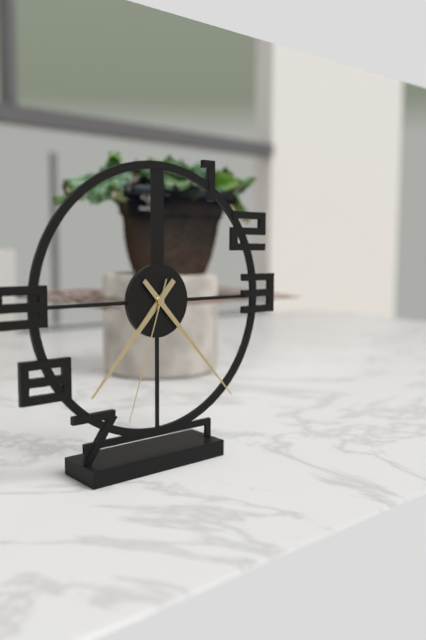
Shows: 7:23:33
